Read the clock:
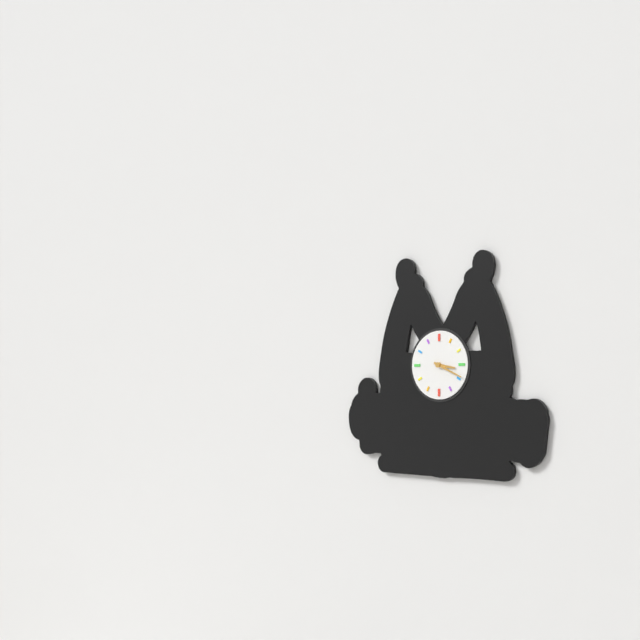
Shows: 3:19
